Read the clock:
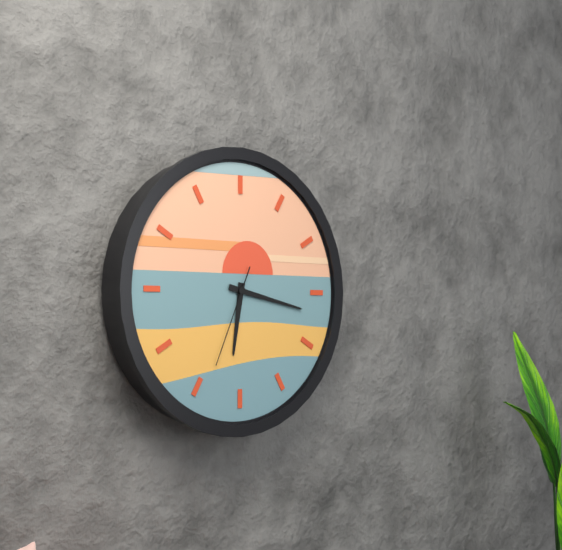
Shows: 6:17:34
